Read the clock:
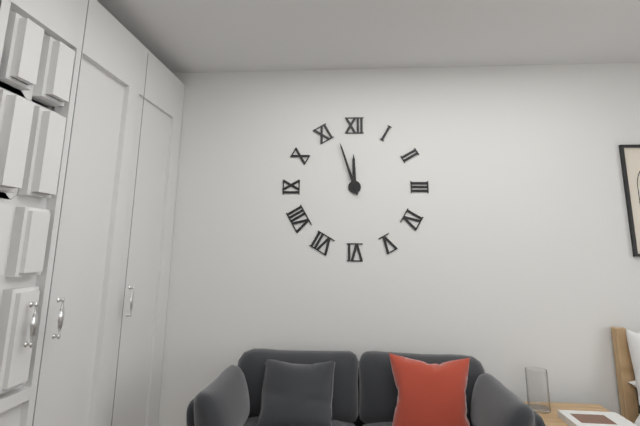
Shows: 11:57
